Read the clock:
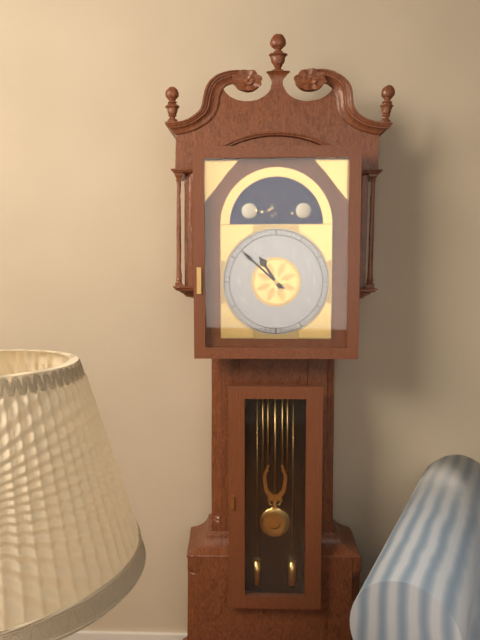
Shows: 10:52
